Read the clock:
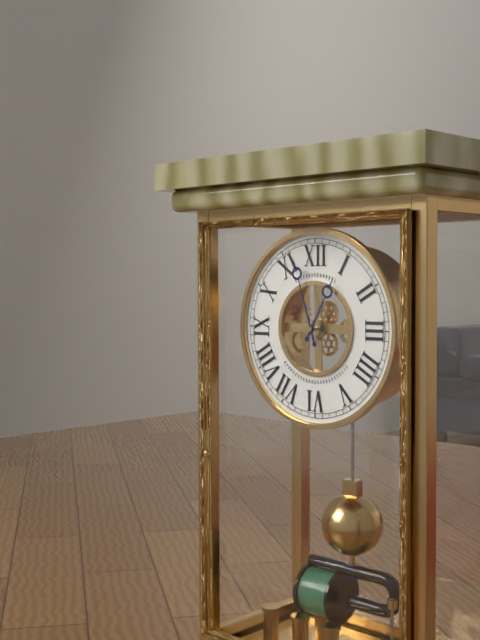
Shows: 12:57
